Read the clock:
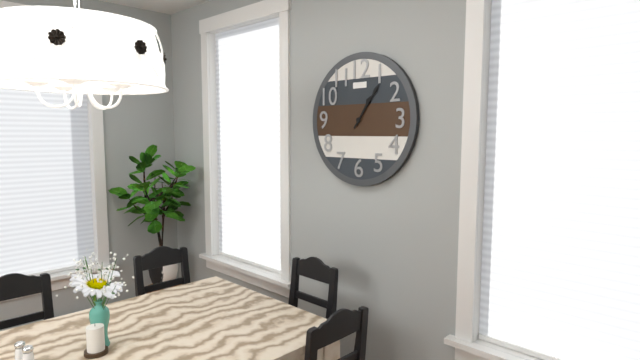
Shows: 1:06
